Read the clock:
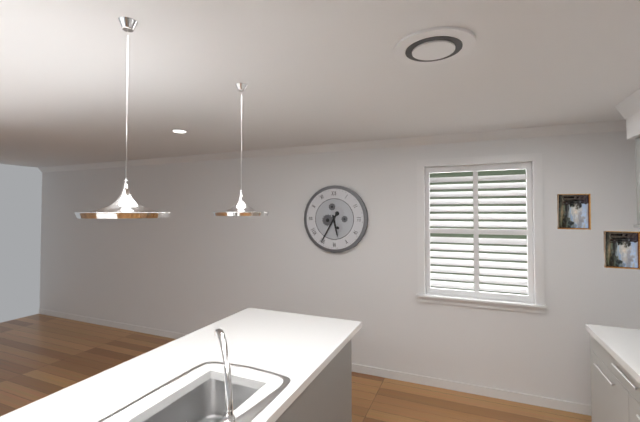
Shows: 5:35
